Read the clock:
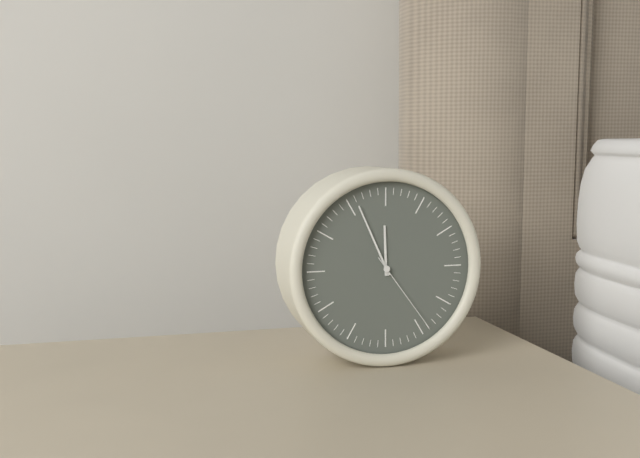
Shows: 11:56:24
